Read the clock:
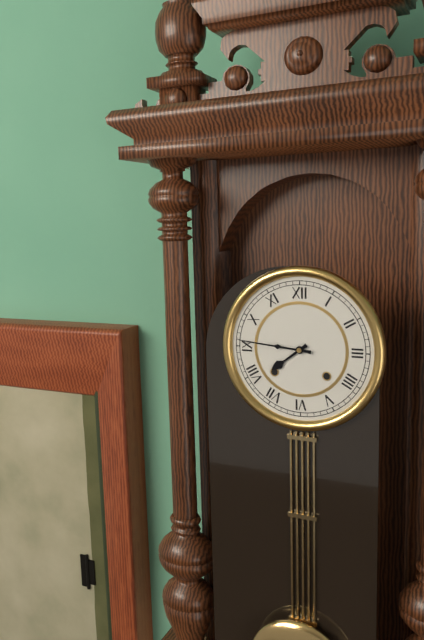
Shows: 7:46
